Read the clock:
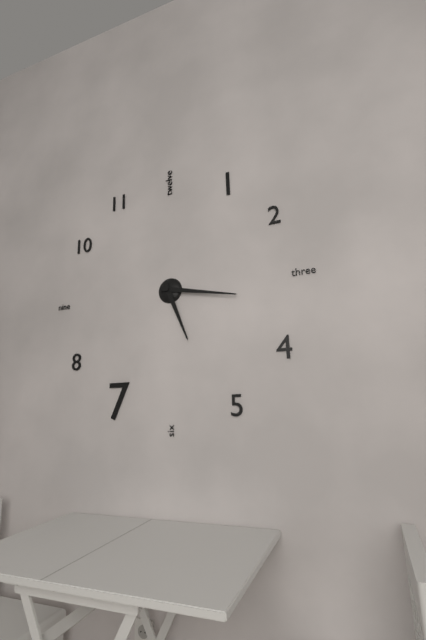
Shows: 5:17
